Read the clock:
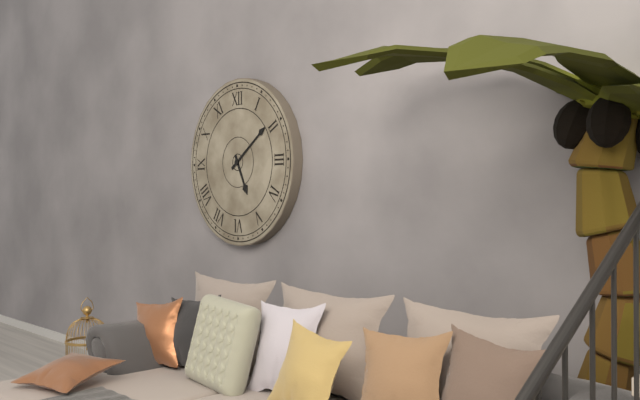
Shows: 5:09
